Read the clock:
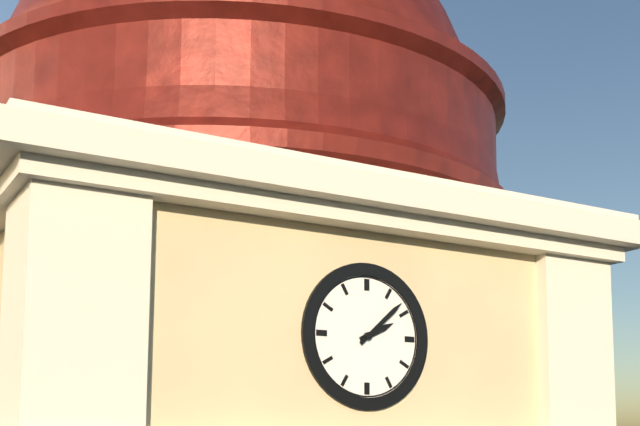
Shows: 2:08
